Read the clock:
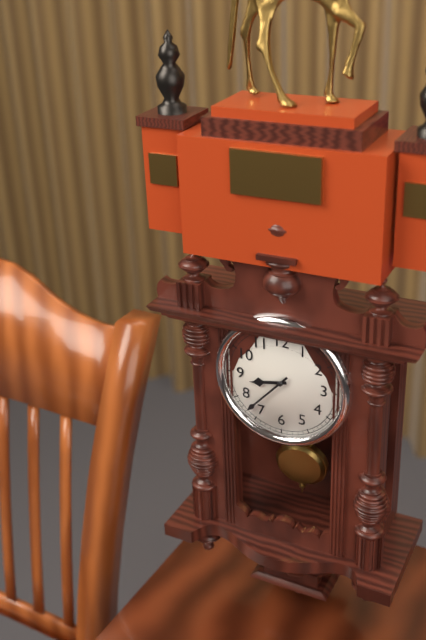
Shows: 8:37
